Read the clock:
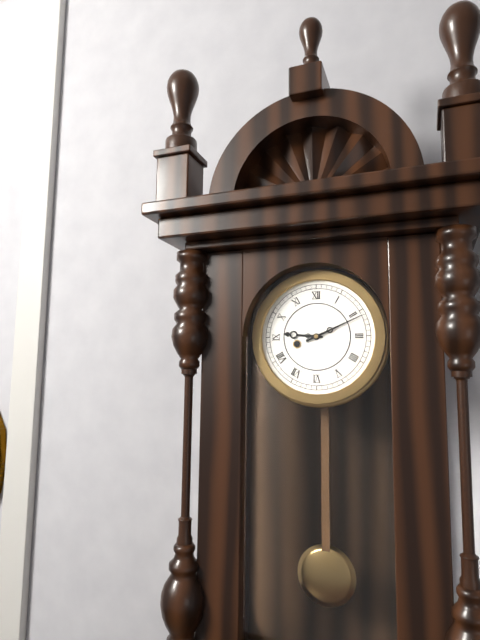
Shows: 9:11
